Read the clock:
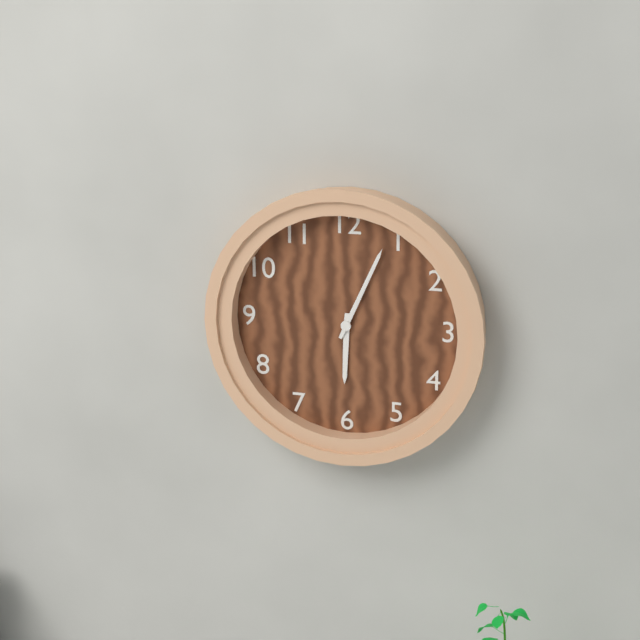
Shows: 6:04
